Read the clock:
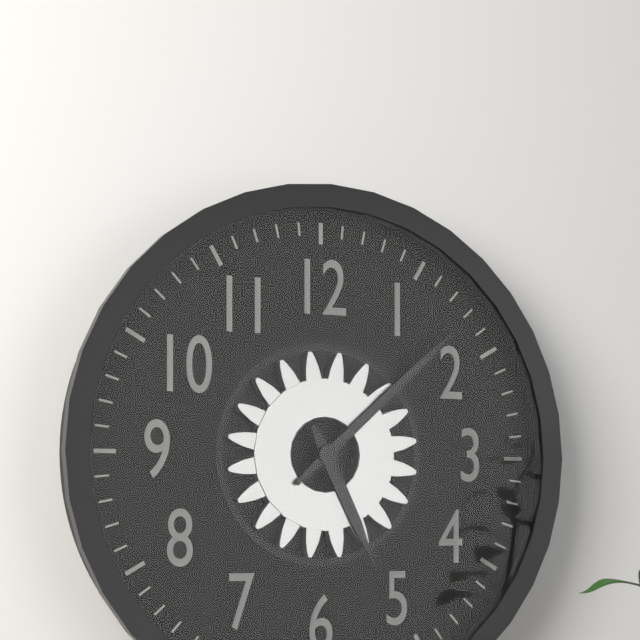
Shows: 5:08
